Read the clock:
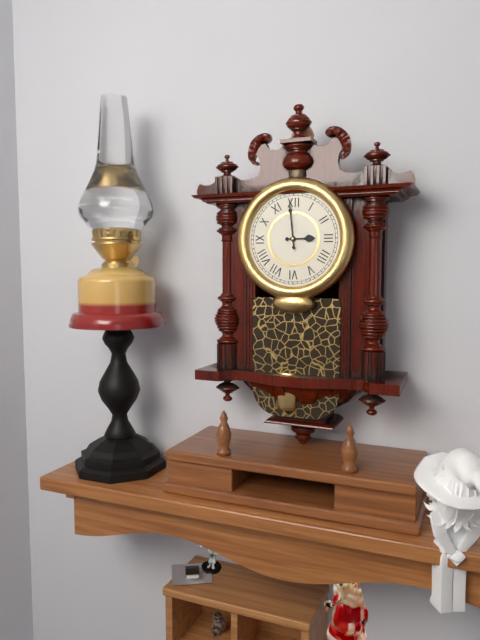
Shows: 2:59
